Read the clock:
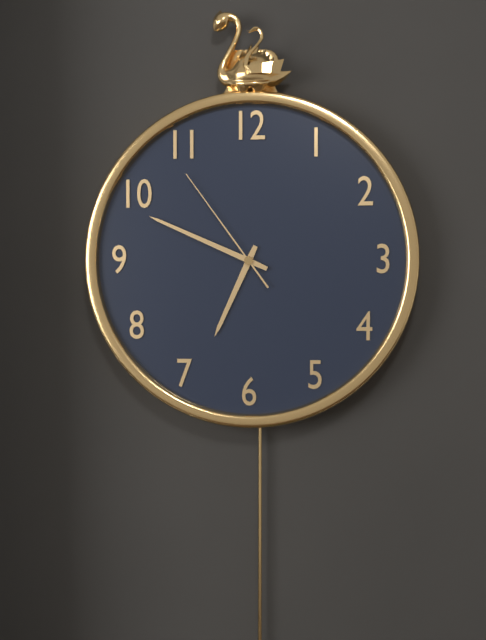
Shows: 6:49:54
